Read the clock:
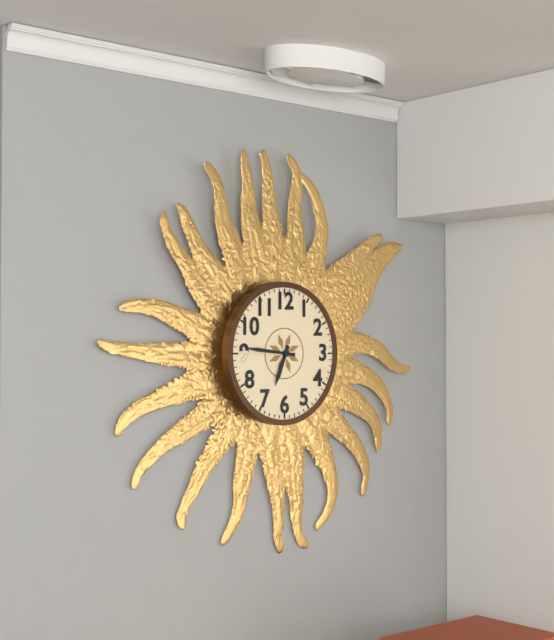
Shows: 6:46
